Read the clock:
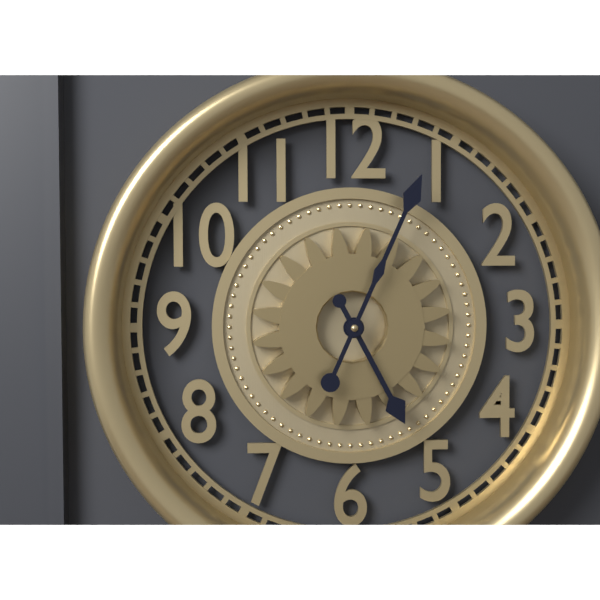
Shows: 5:04
